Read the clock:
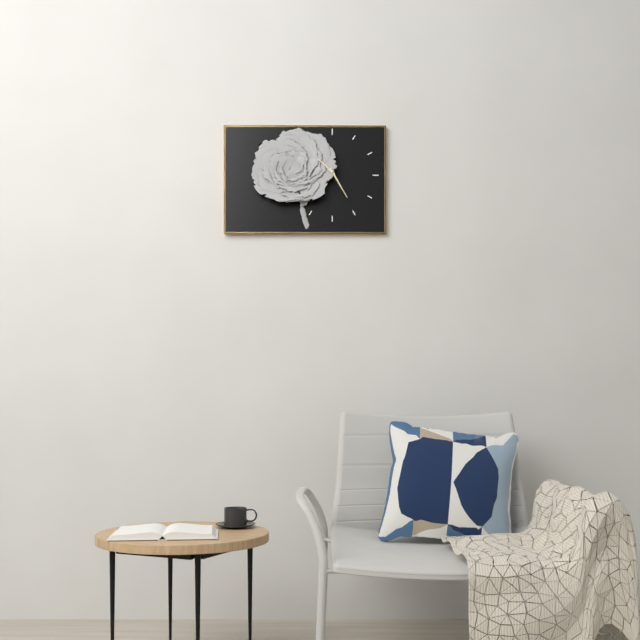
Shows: 10:25
